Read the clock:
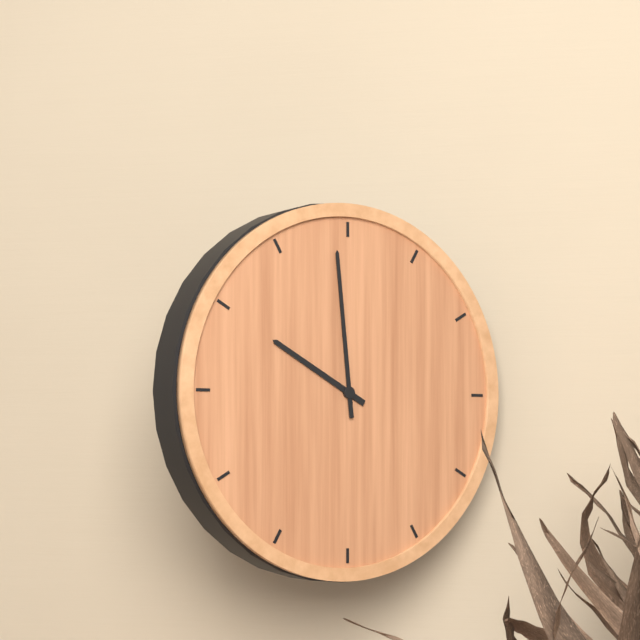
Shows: 9:59
